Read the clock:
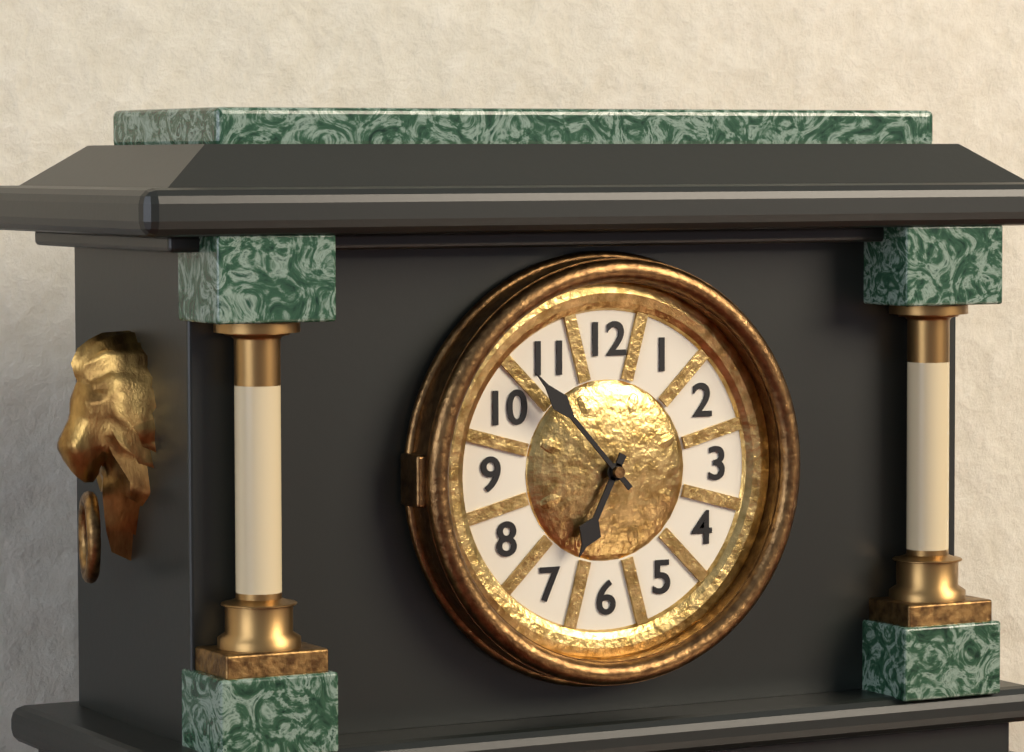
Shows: 6:53
